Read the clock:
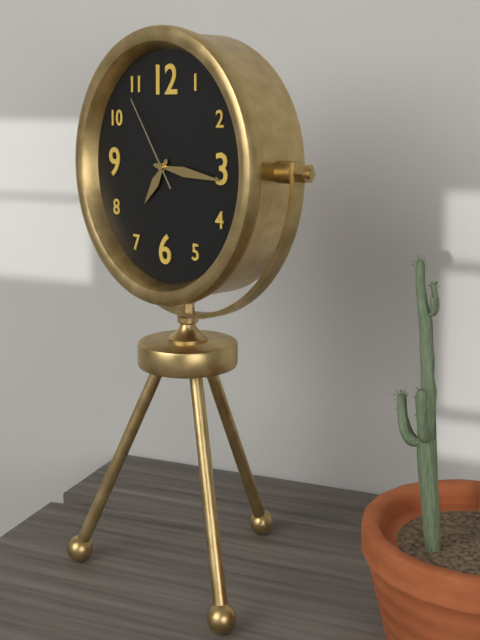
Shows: 7:16:54
